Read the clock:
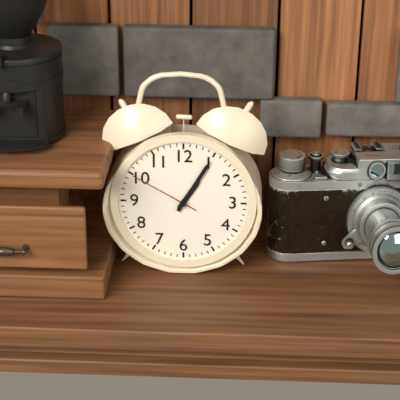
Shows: 1:05:50
